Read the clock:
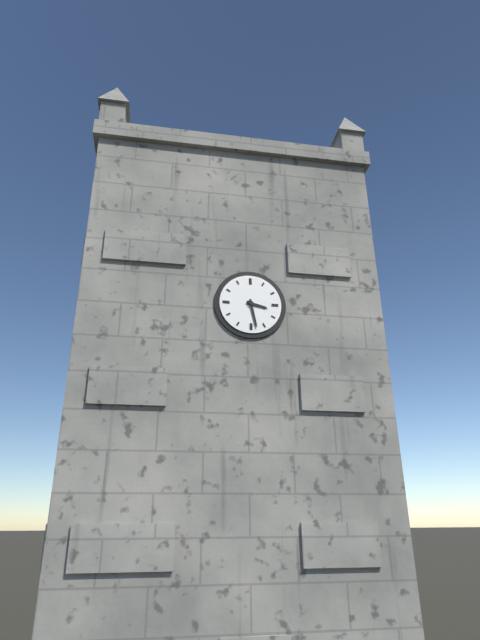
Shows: 3:28
